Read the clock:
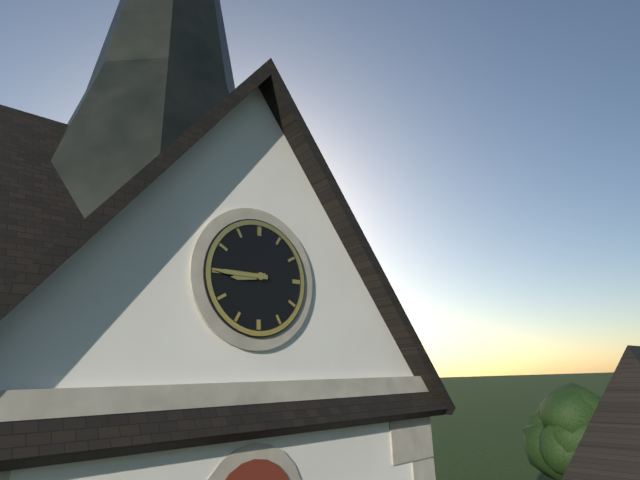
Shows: 8:45
